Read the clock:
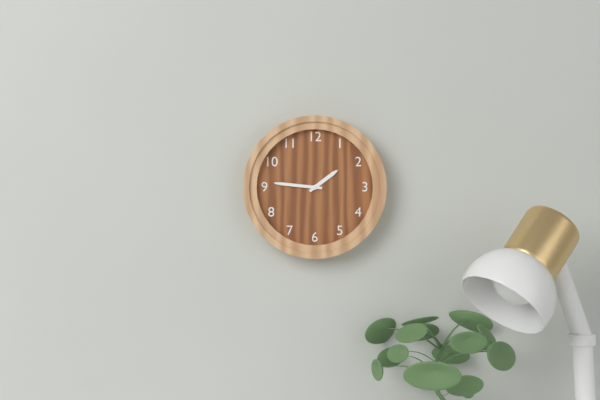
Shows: 1:46
